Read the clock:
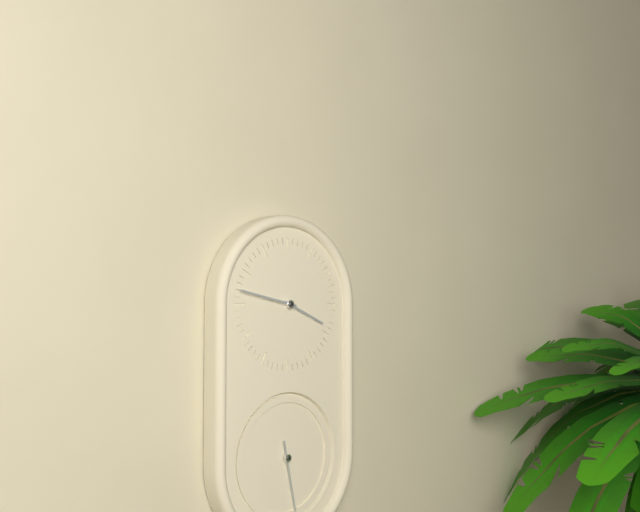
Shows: 3:47
